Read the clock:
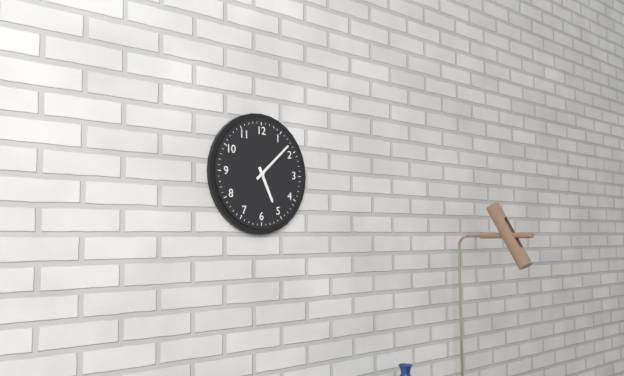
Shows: 5:08
